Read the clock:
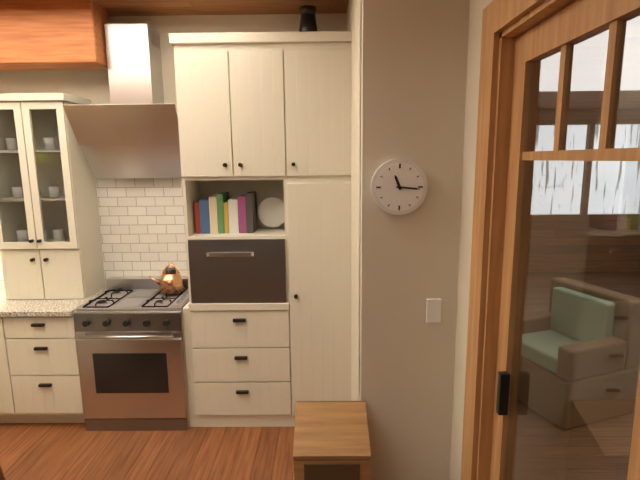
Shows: 11:16
